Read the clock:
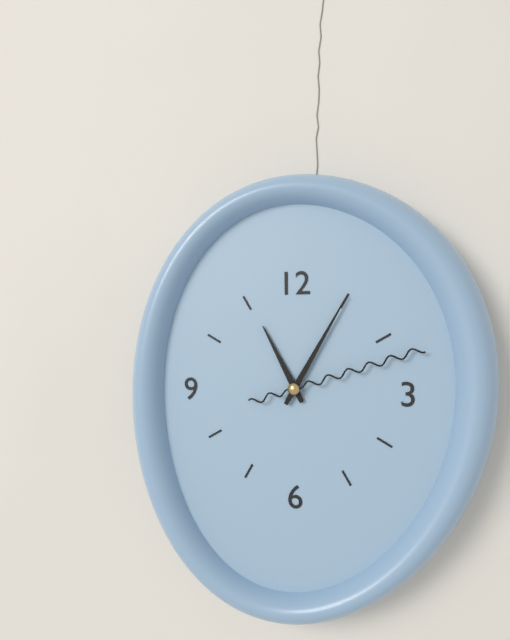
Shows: 11:05:12
